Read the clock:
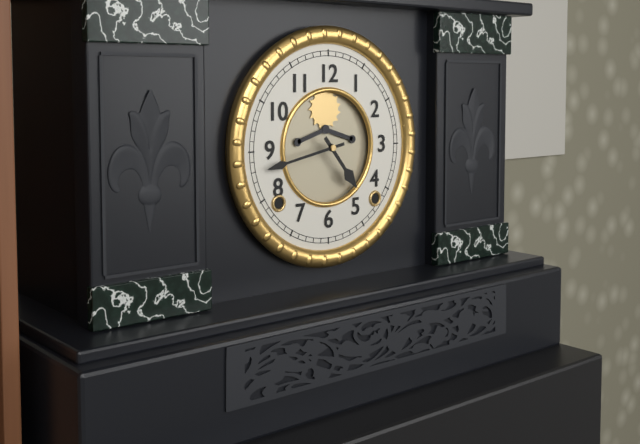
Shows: 4:43
